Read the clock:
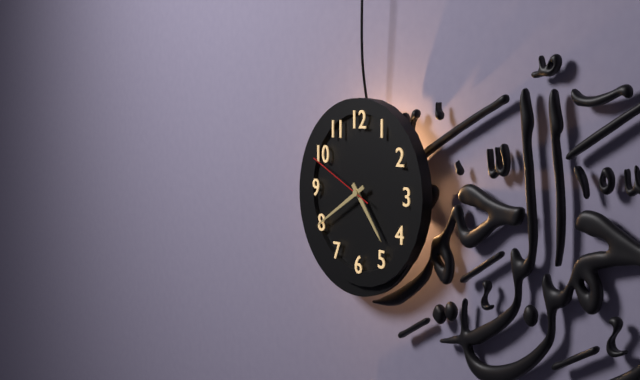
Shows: 4:40:49
